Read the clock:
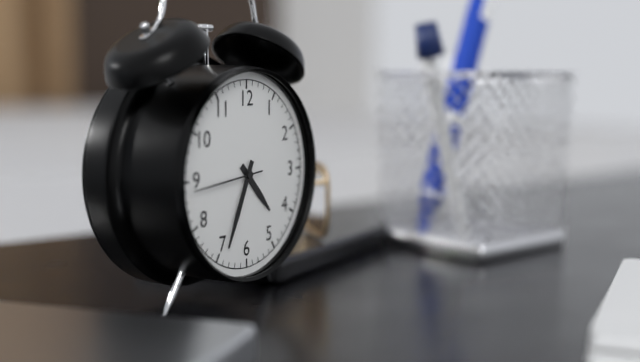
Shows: 4:34:44
